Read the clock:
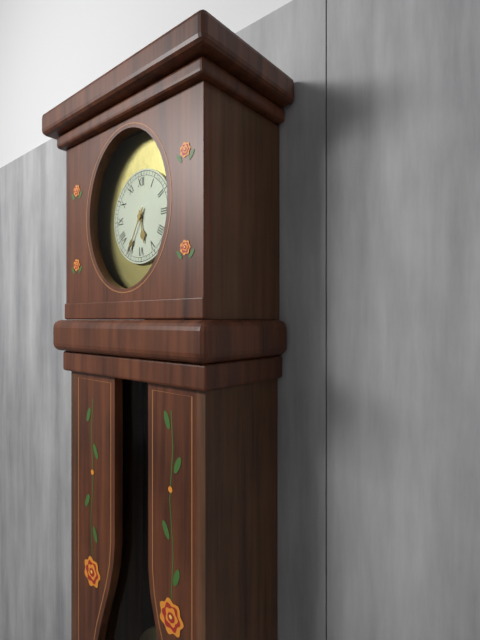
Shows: 5:35
